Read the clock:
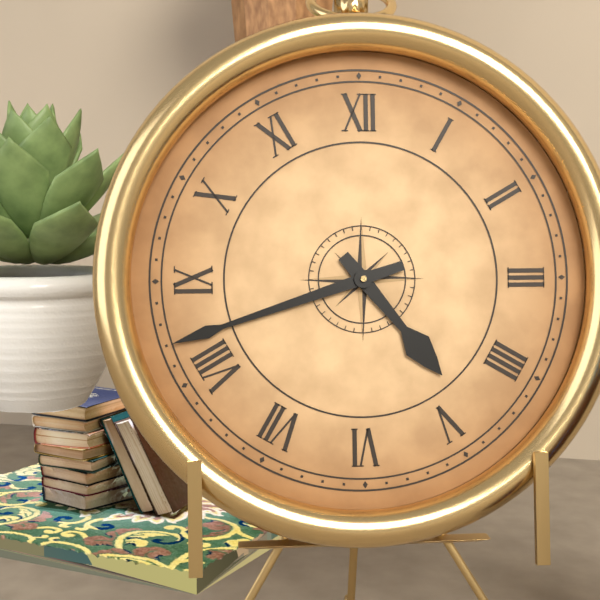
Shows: 4:42
